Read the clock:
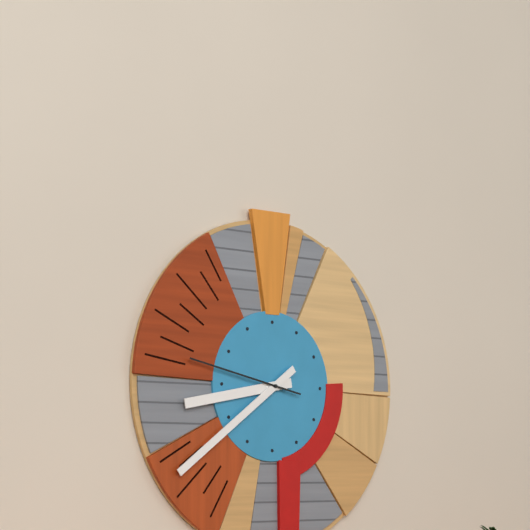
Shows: 8:39:47
